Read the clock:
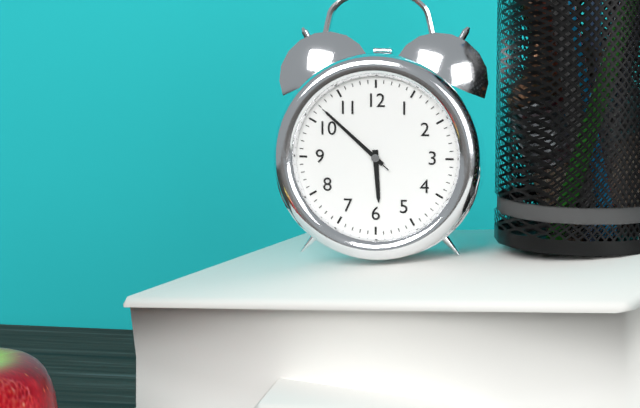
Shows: 5:52:52
